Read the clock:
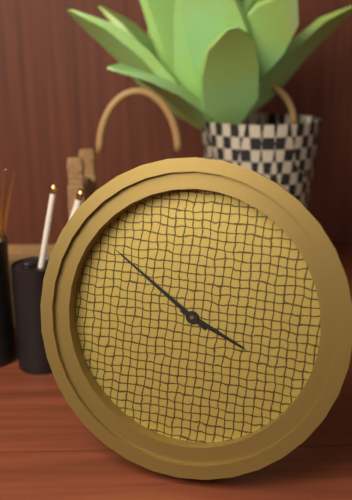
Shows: 3:51
